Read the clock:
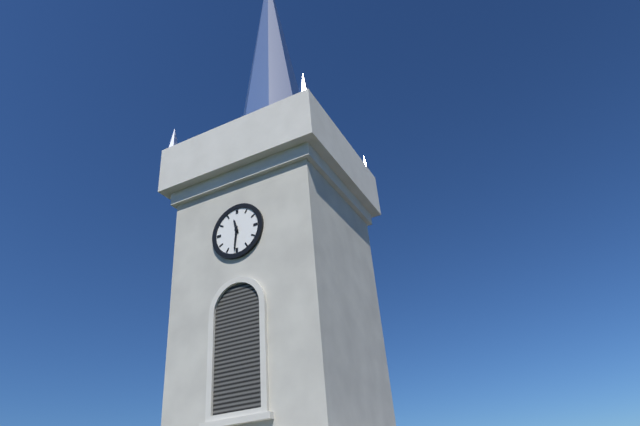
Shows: 11:31
